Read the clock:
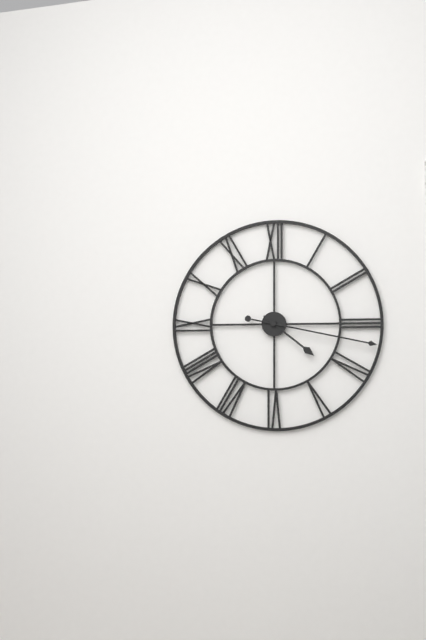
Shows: 4:17
